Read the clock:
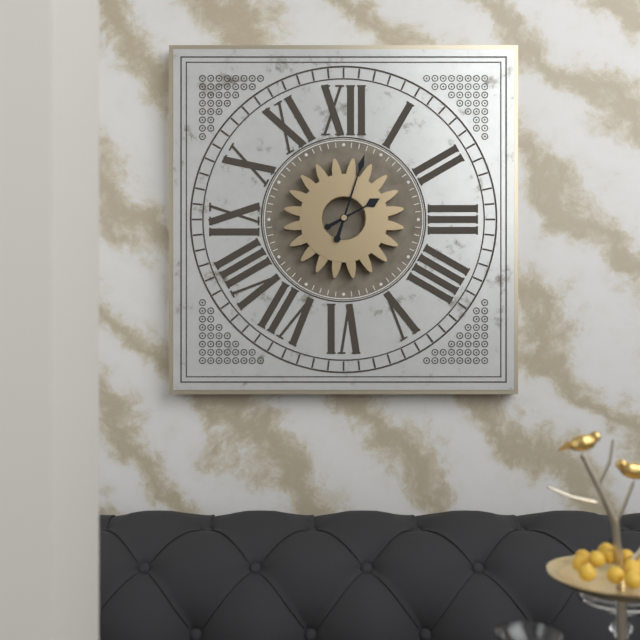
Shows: 2:03
